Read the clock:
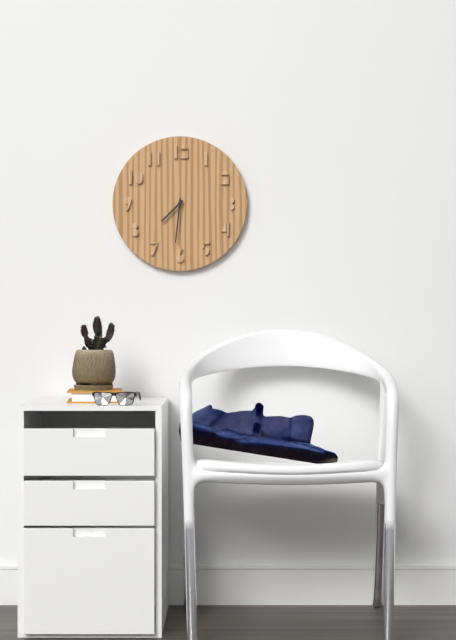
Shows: 7:31
